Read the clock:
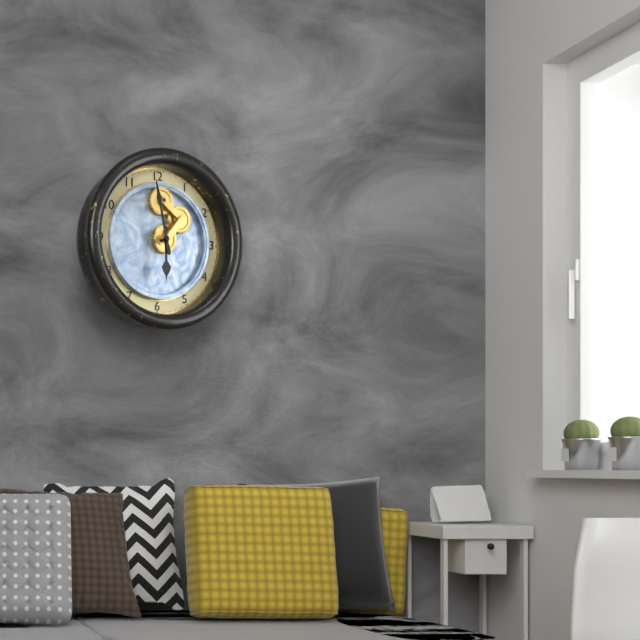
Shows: 5:58
